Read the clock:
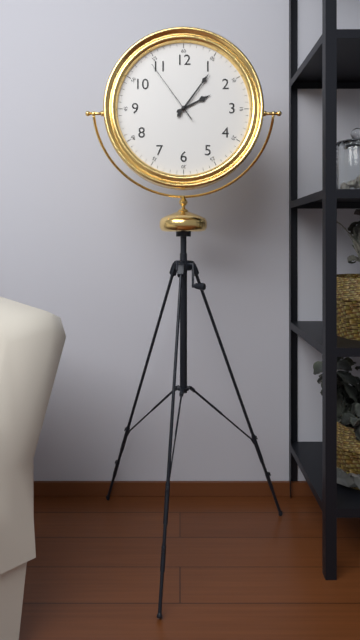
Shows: 2:06:54
